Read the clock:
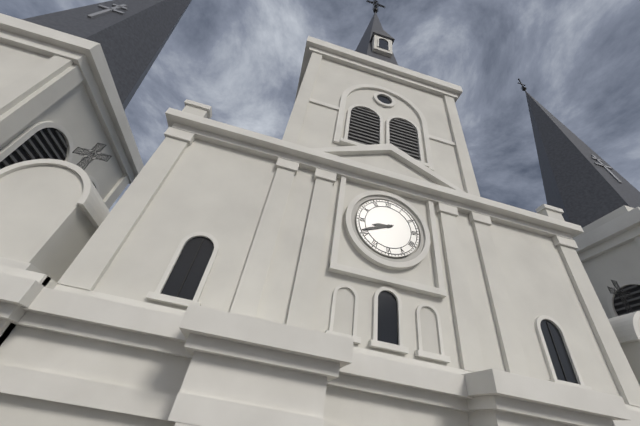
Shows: 8:41
